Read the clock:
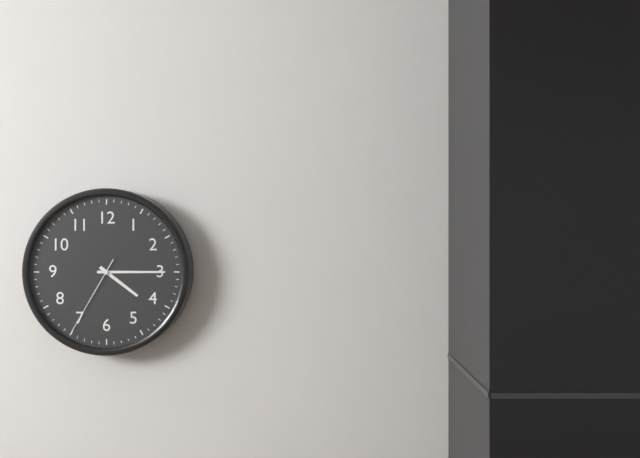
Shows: 4:15:35
